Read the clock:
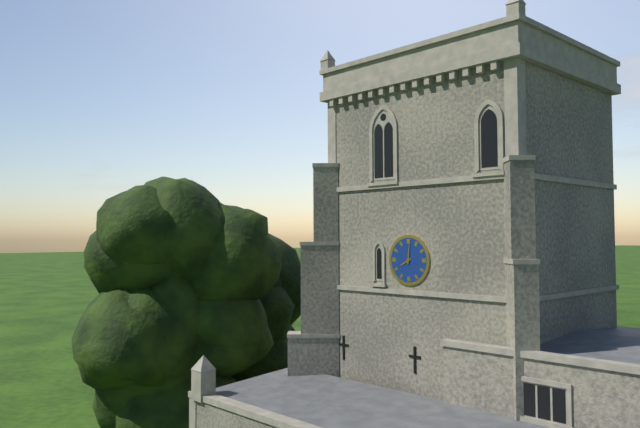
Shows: 8:01
